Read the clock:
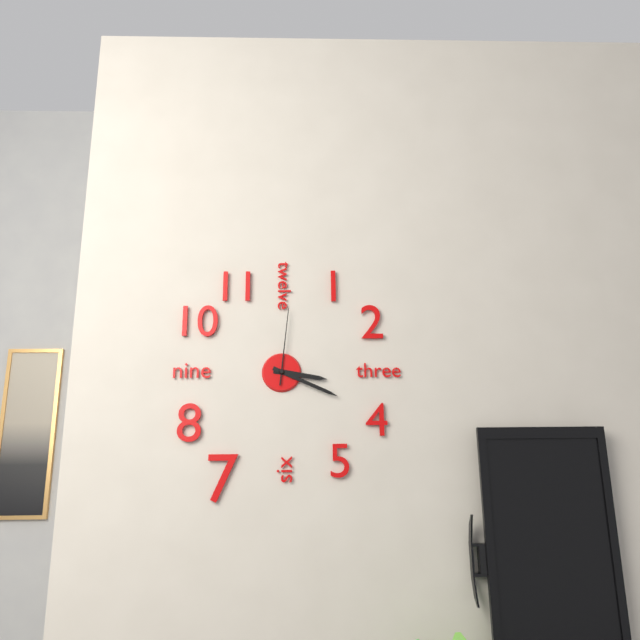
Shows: 3:19:01
